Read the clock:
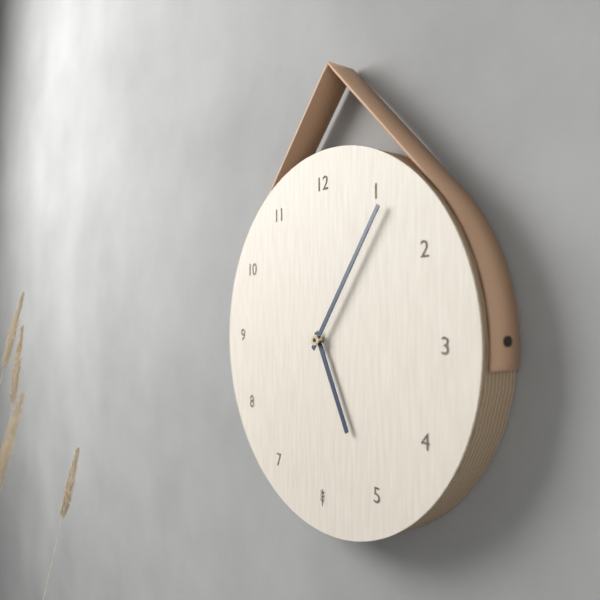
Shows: 5:06
